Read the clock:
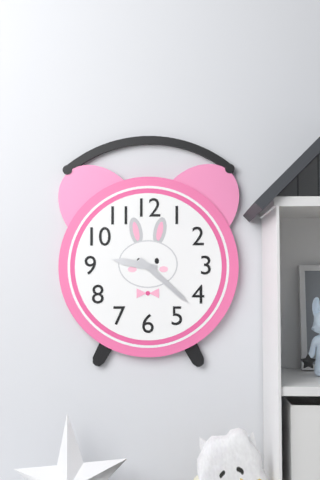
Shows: 9:22
